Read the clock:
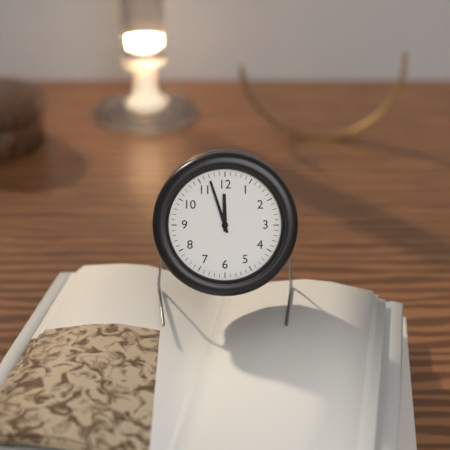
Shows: 11:57
